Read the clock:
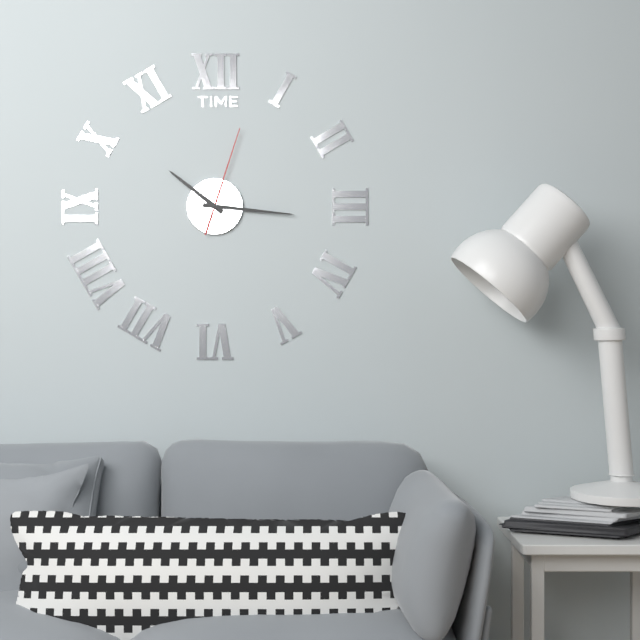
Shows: 10:16:03
